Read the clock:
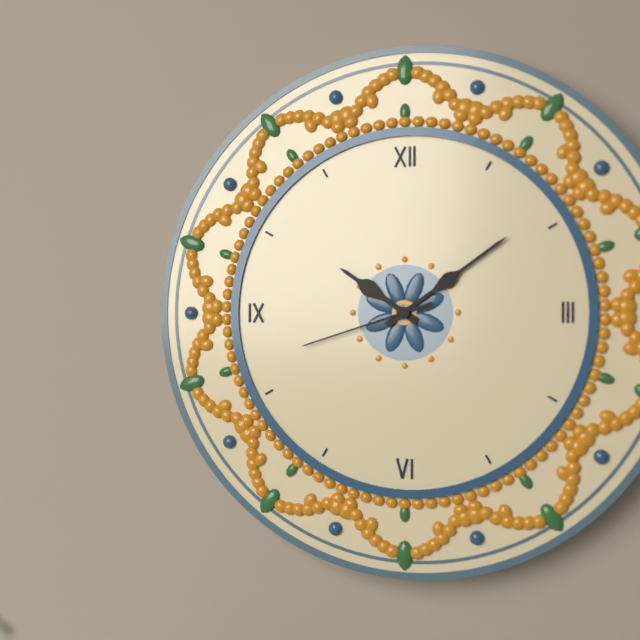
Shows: 10:09:42
